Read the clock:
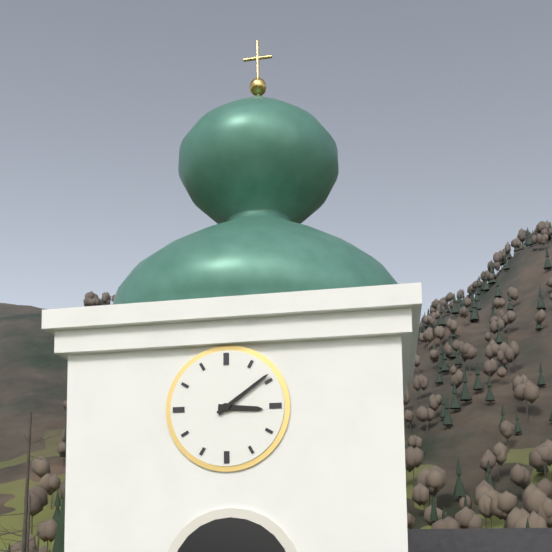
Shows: 3:09
